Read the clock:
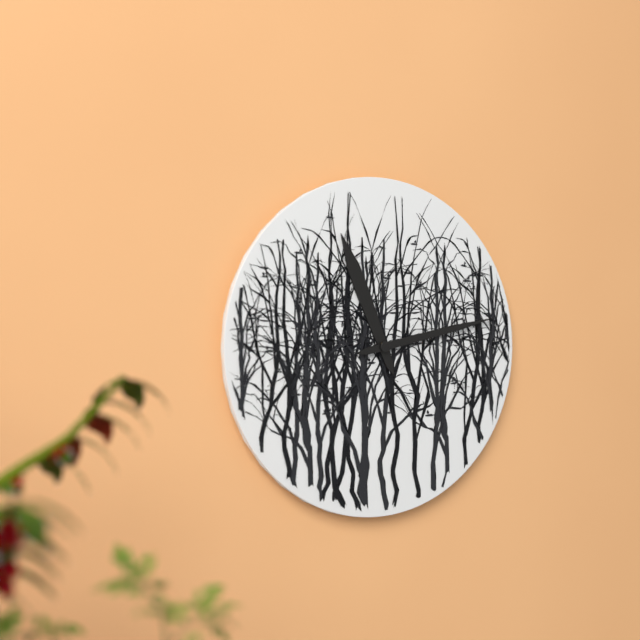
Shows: 11:13
